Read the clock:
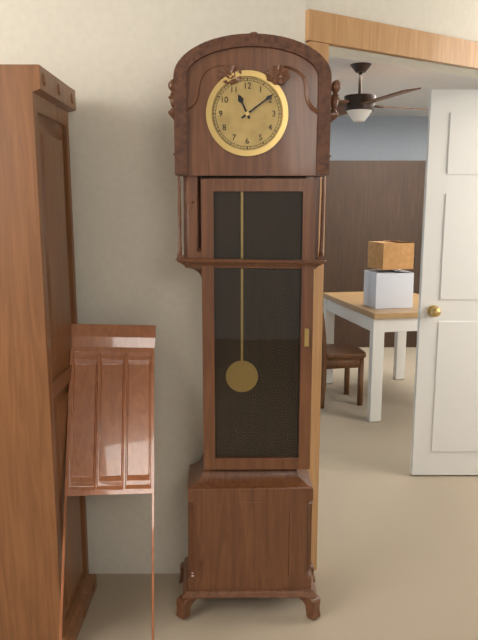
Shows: 11:09
